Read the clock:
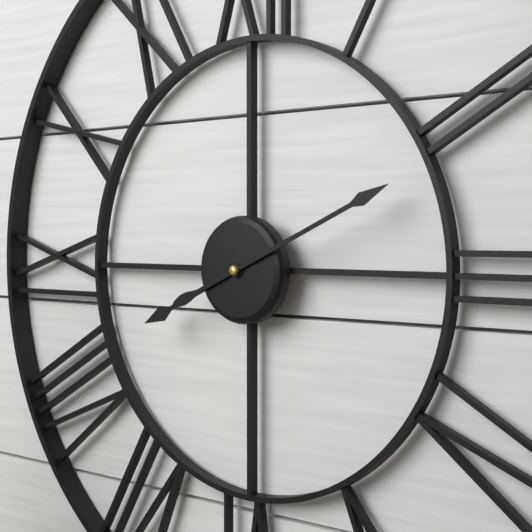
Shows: 8:11
